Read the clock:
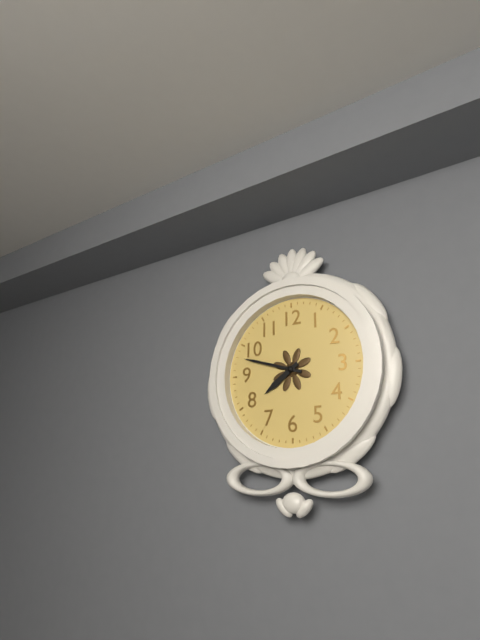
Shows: 7:48
